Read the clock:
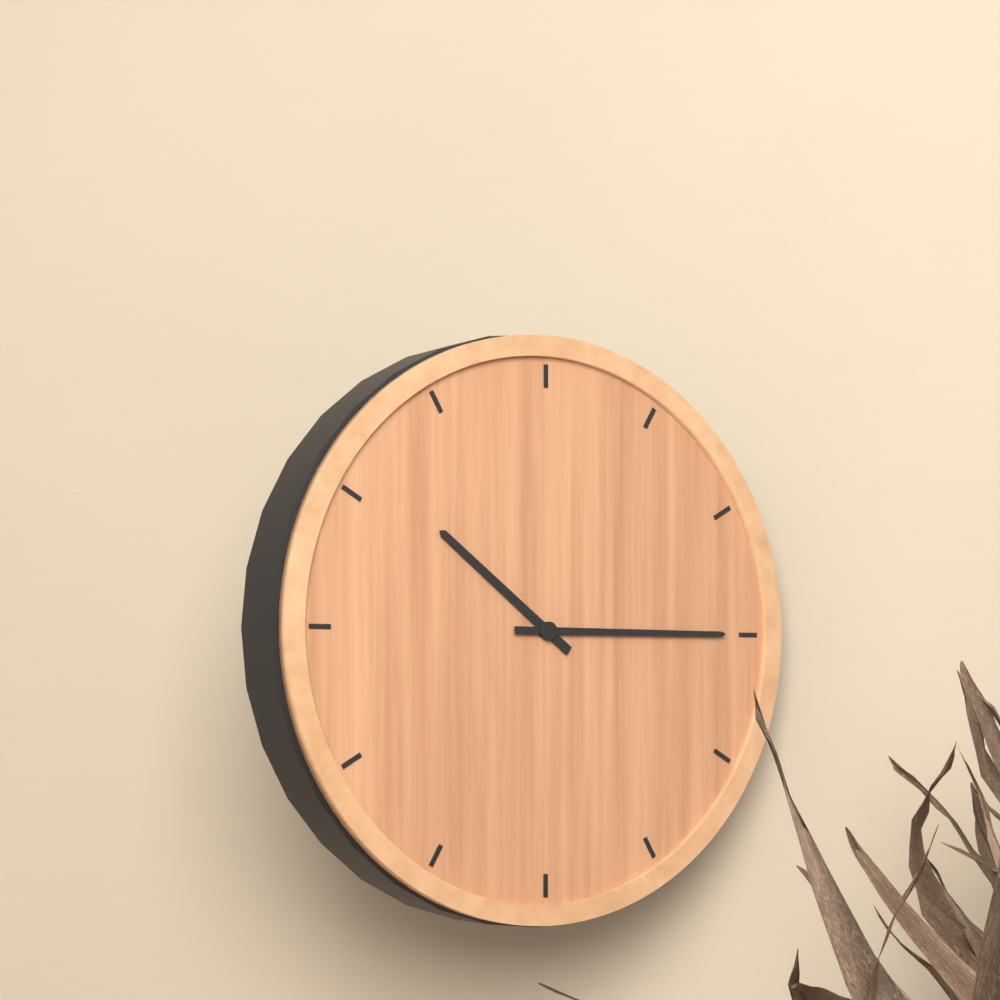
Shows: 10:15
